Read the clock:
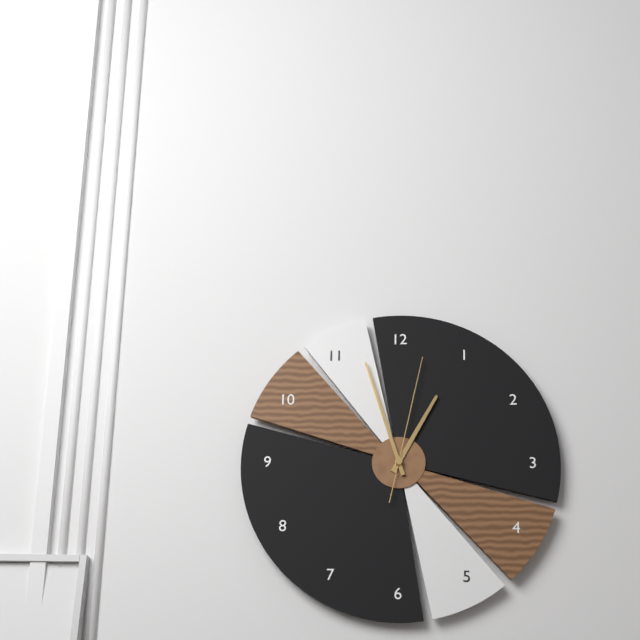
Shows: 12:57:02
